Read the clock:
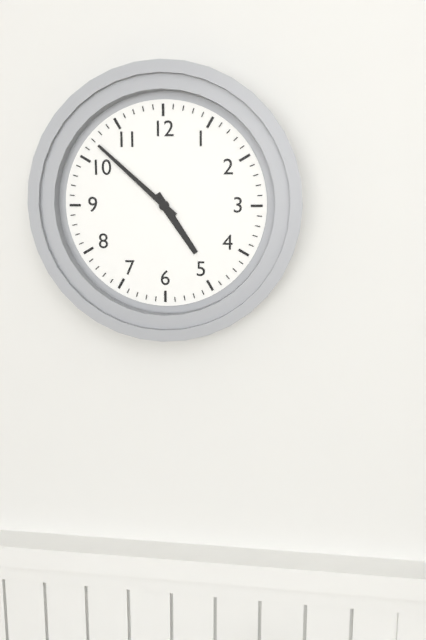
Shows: 4:52
